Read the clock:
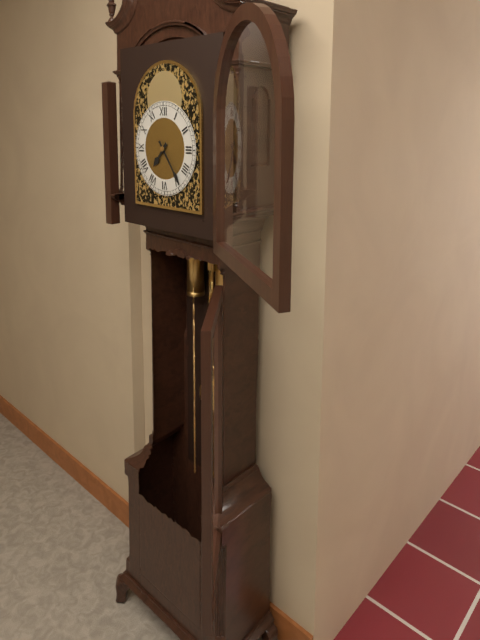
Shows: 7:24
